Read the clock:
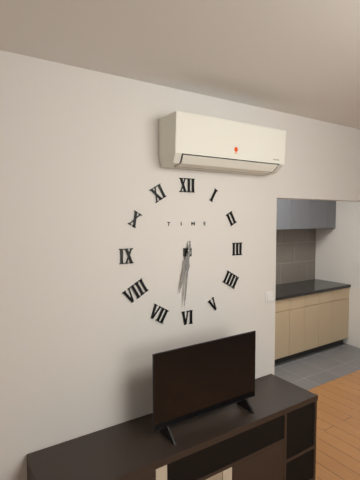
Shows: 6:31
